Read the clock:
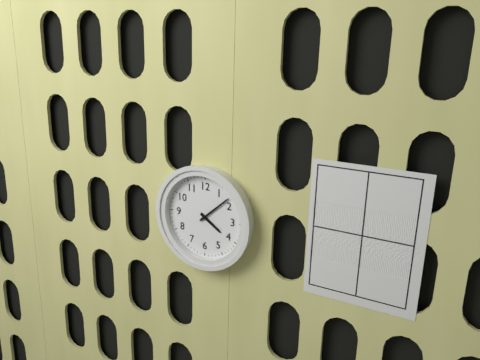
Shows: 4:08
